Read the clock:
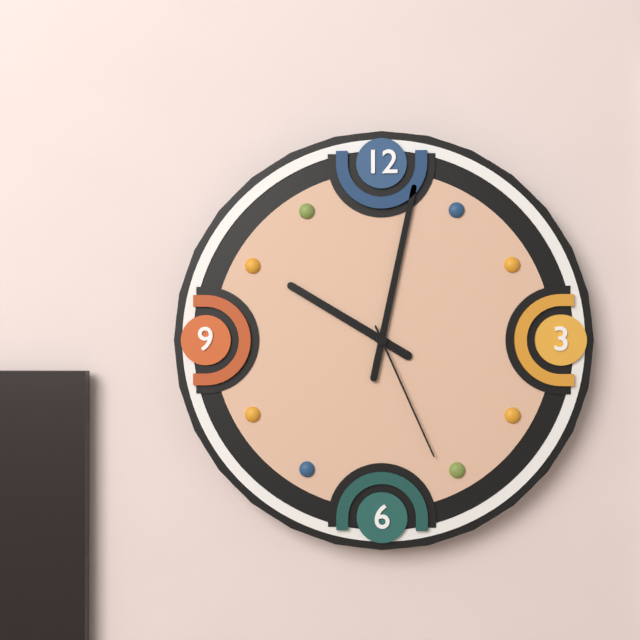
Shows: 10:02:26
